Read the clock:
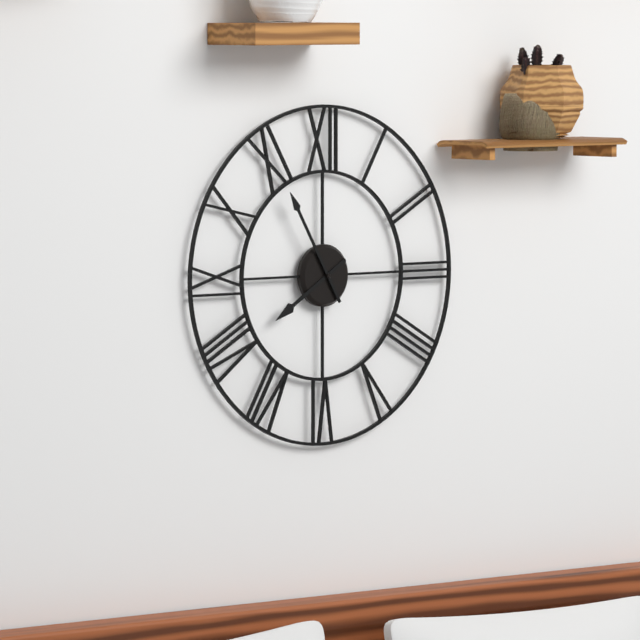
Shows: 7:55
